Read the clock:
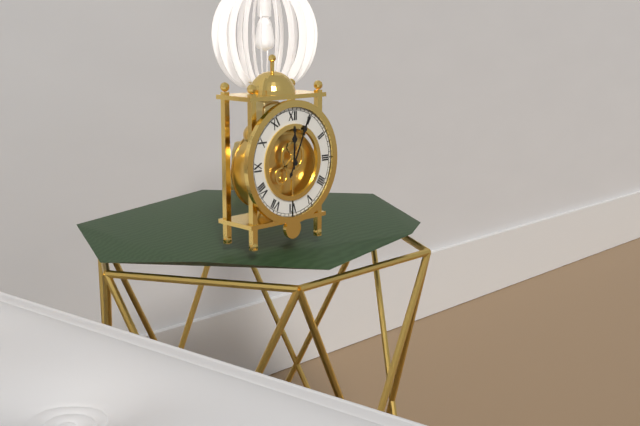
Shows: 12:04
